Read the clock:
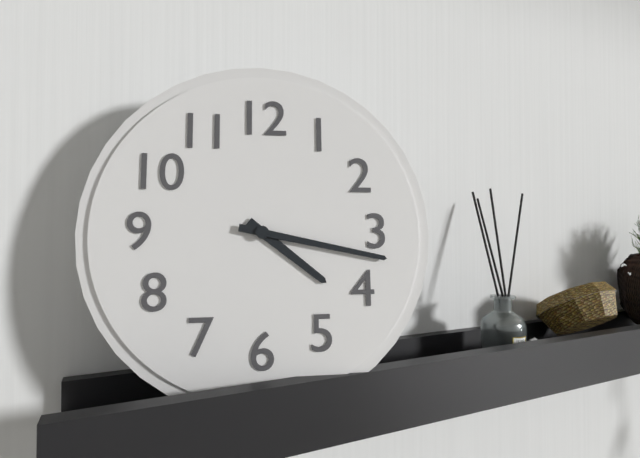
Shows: 4:17
